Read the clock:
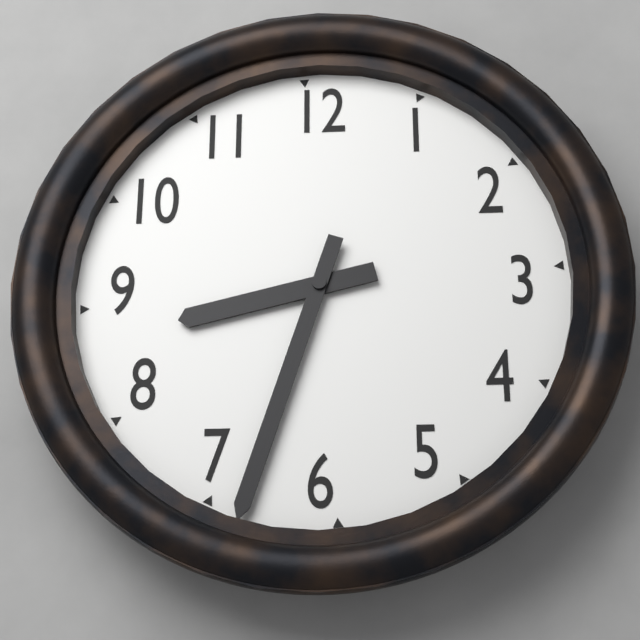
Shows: 8:33
